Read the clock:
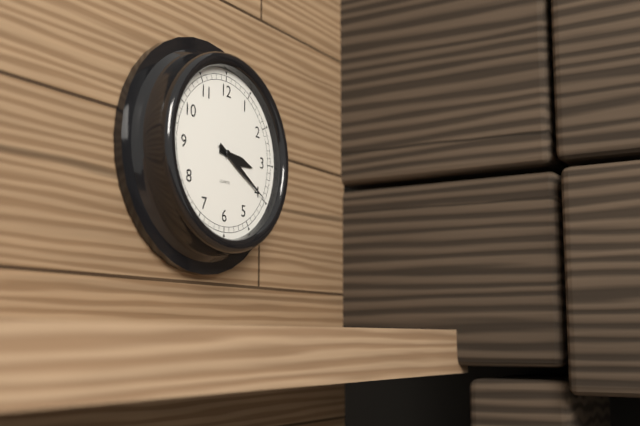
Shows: 3:20
